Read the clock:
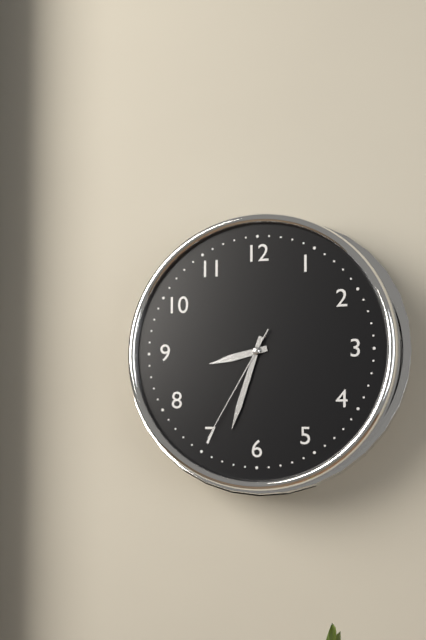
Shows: 8:33:35
